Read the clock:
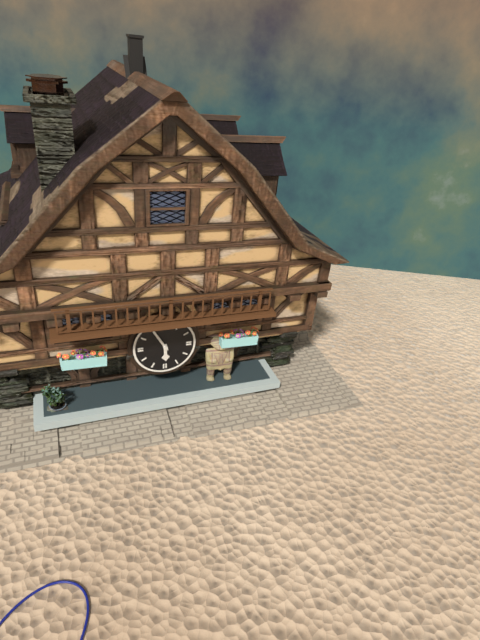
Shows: 5:55
